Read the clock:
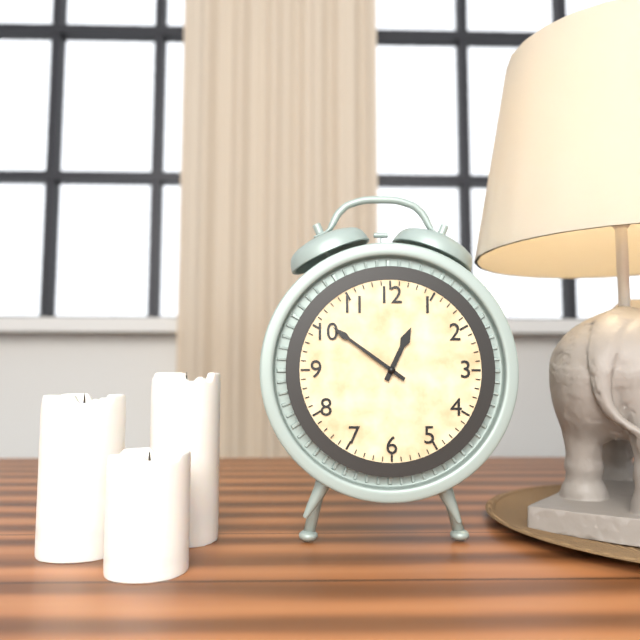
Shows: 12:51
